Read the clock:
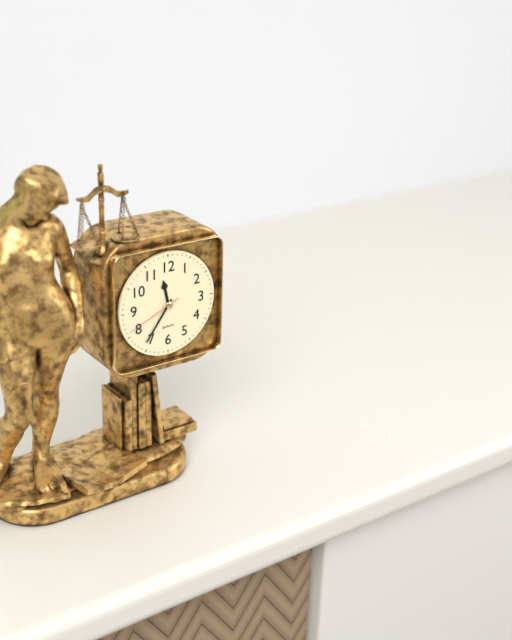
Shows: 11:36:41
